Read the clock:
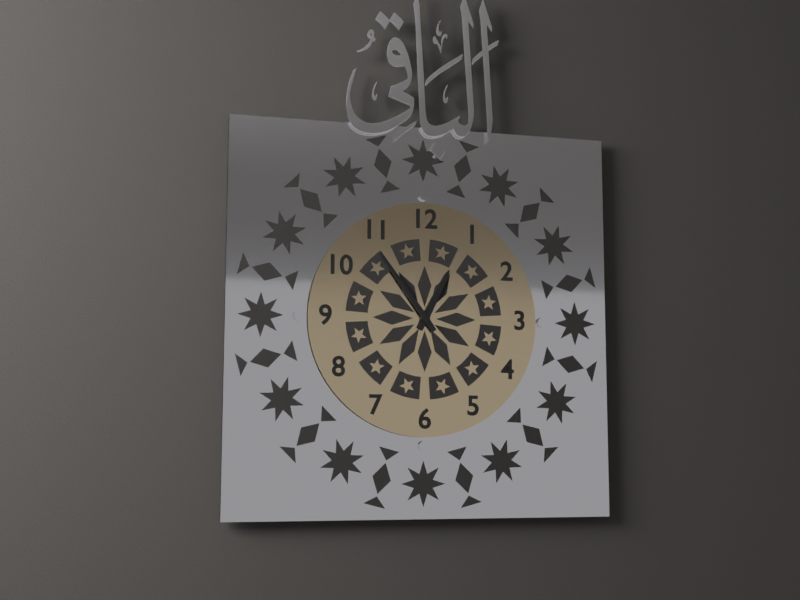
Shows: 12:54
